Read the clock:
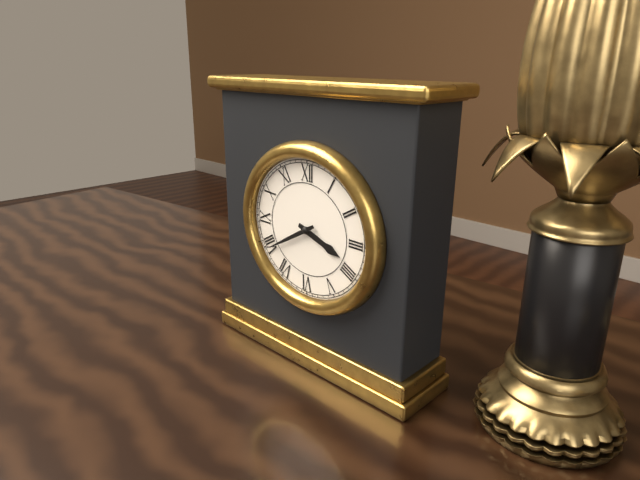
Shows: 3:40
